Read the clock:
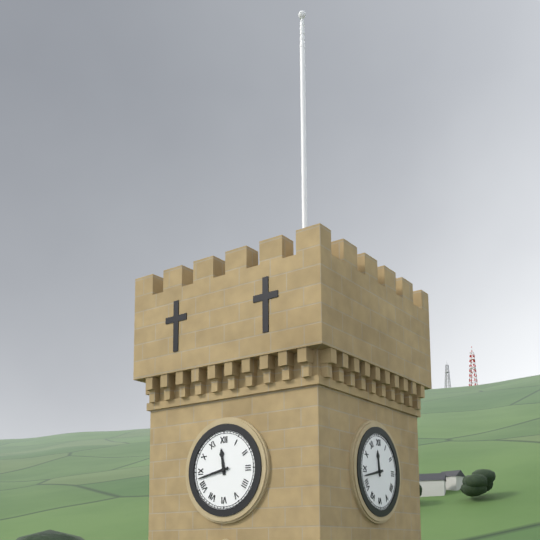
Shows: 11:43
